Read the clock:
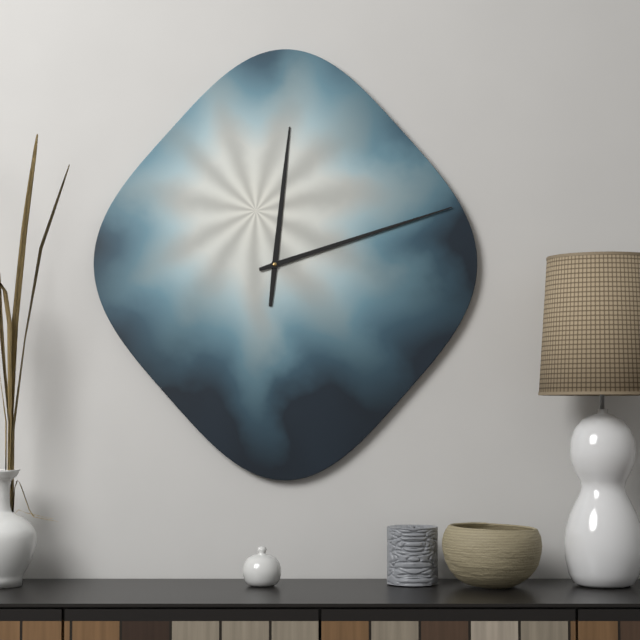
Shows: 12:12
